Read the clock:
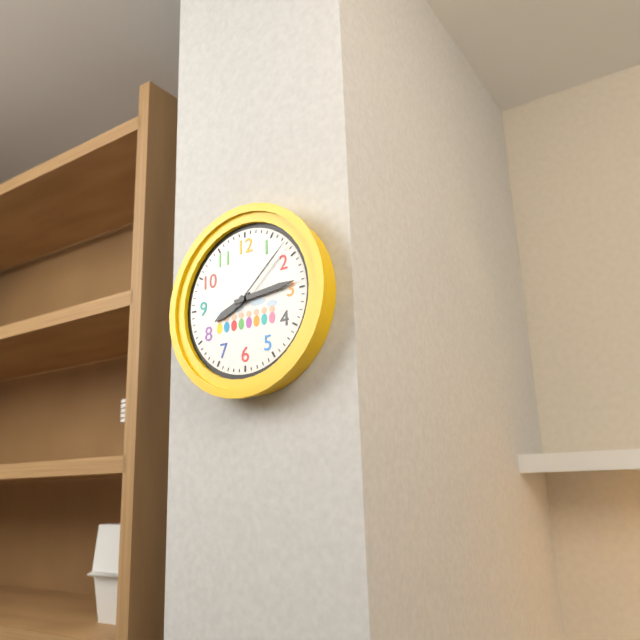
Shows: 8:14:08
